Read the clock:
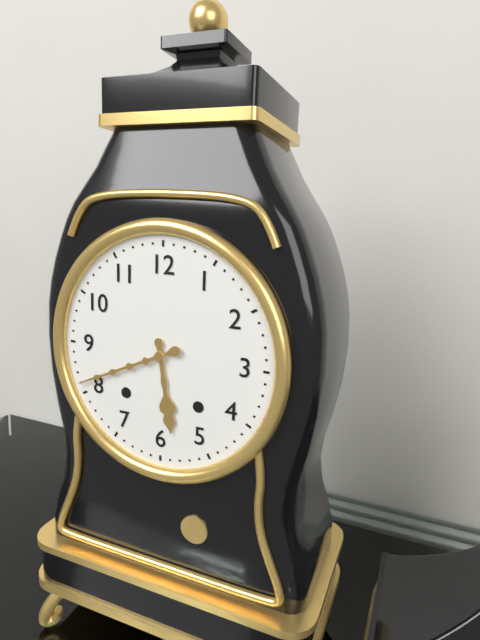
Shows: 5:41
